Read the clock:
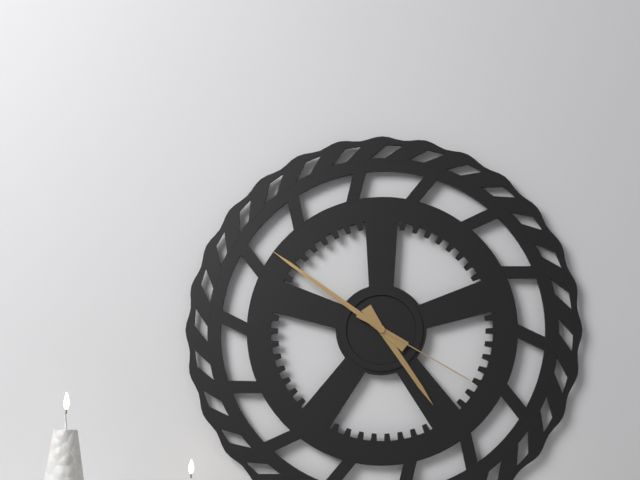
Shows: 4:51:20
